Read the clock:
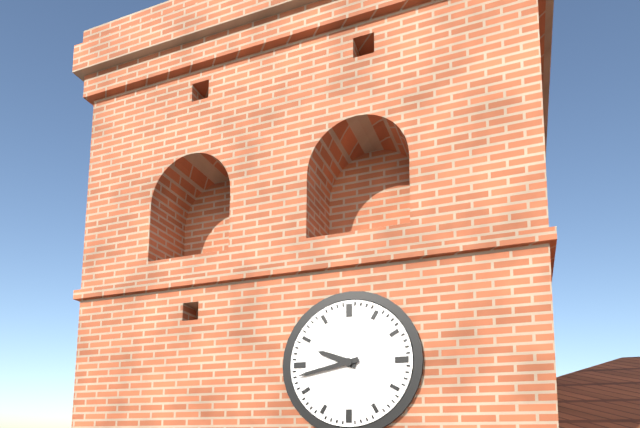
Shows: 9:43
